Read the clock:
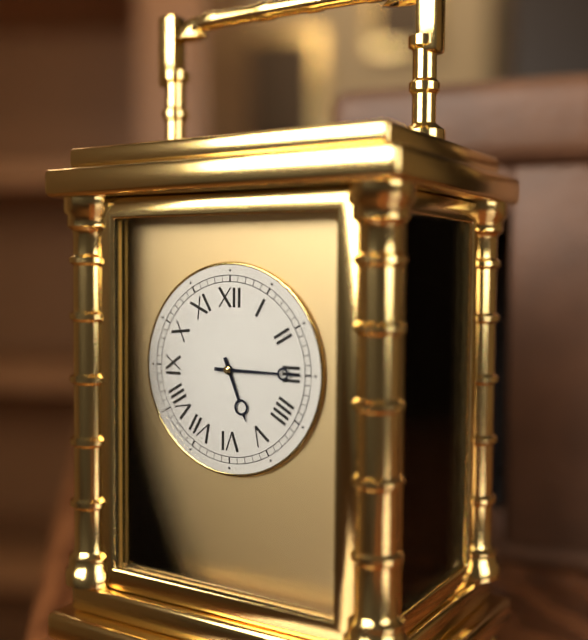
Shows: 5:15
